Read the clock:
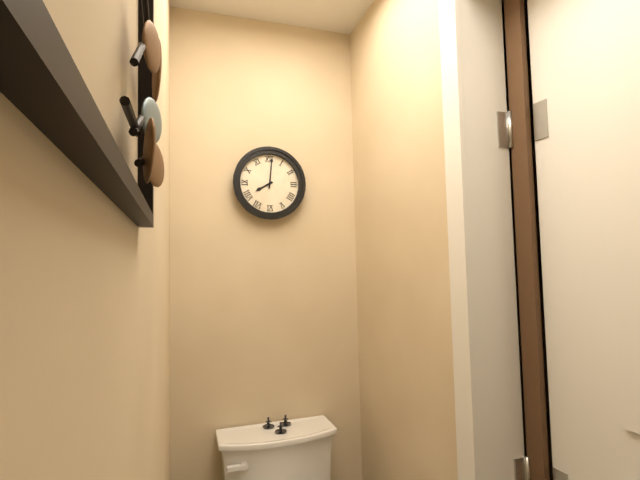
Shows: 8:01
